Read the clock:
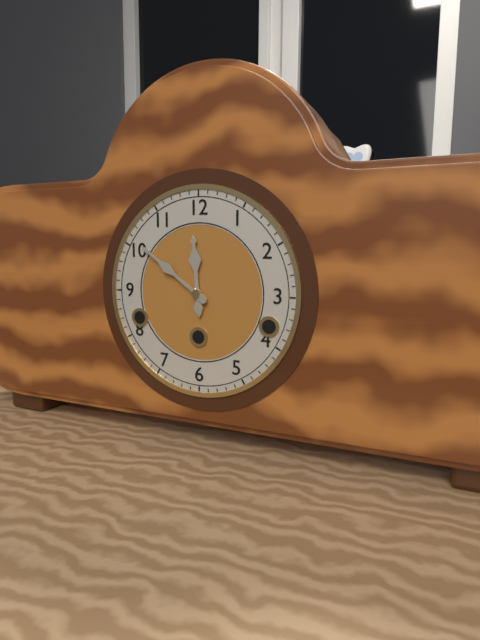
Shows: 11:51
